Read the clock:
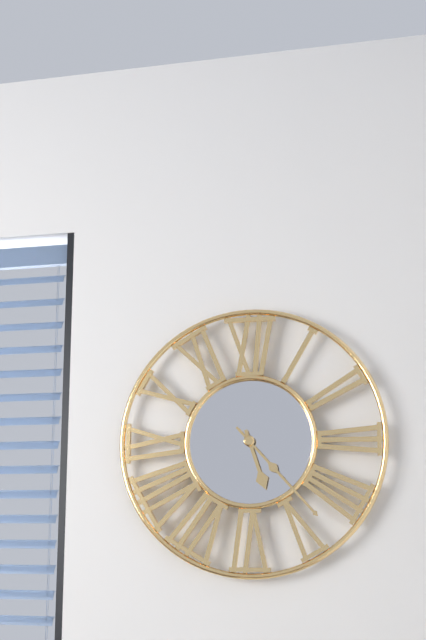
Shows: 5:23
